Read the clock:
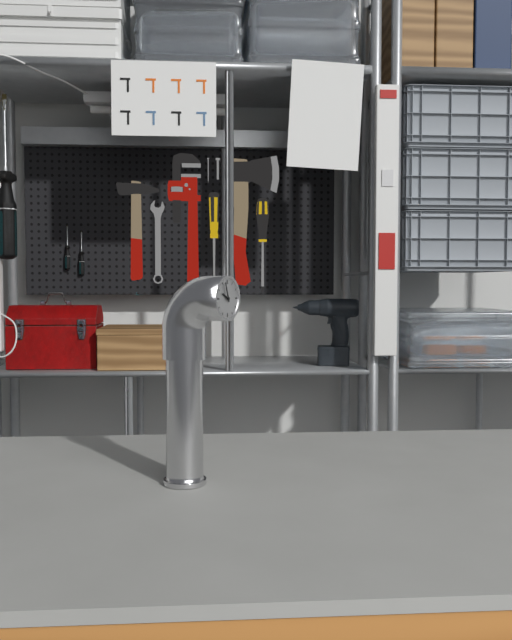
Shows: 9:57
